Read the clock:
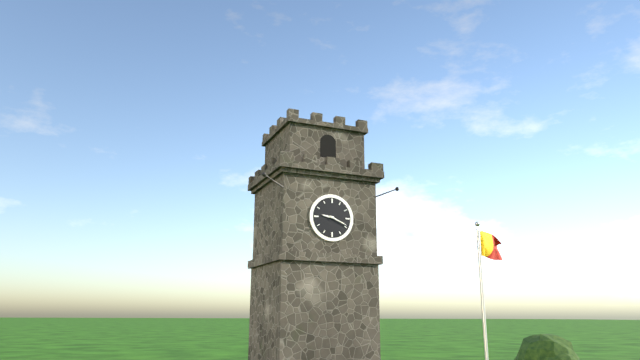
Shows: 9:19
